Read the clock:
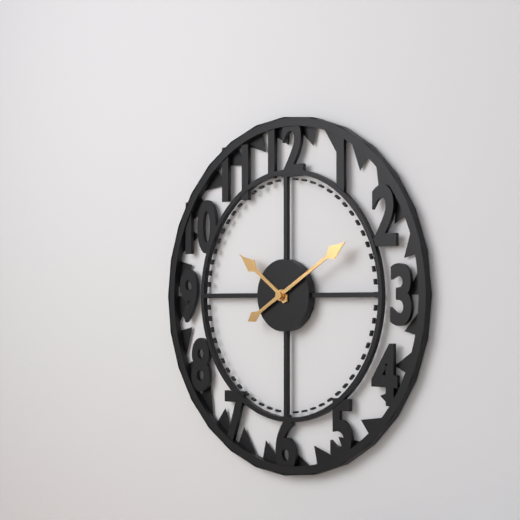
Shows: 10:10
